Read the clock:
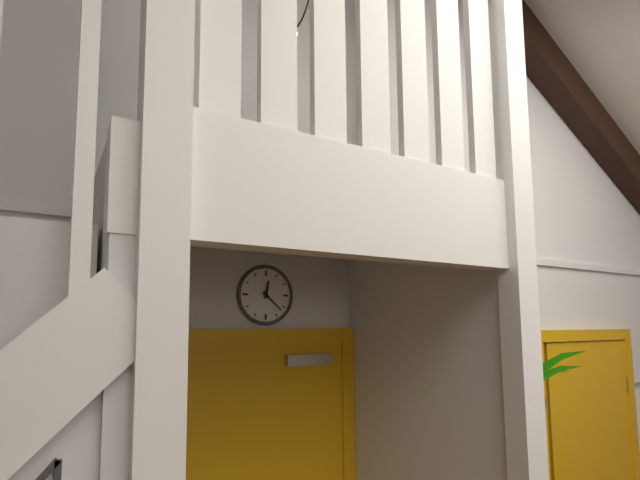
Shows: 12:22
